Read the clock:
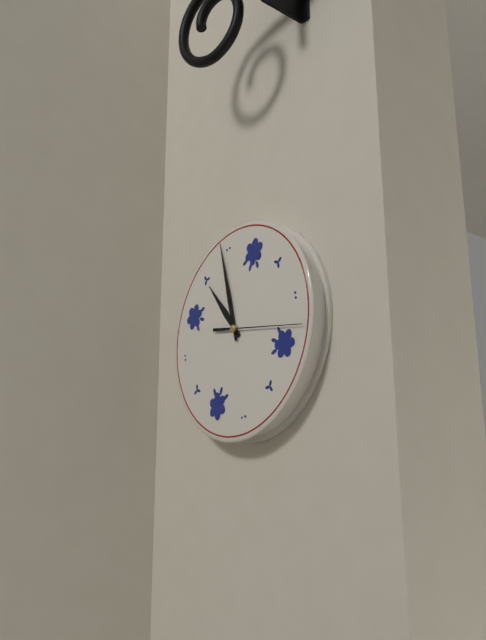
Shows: 10:59:18
